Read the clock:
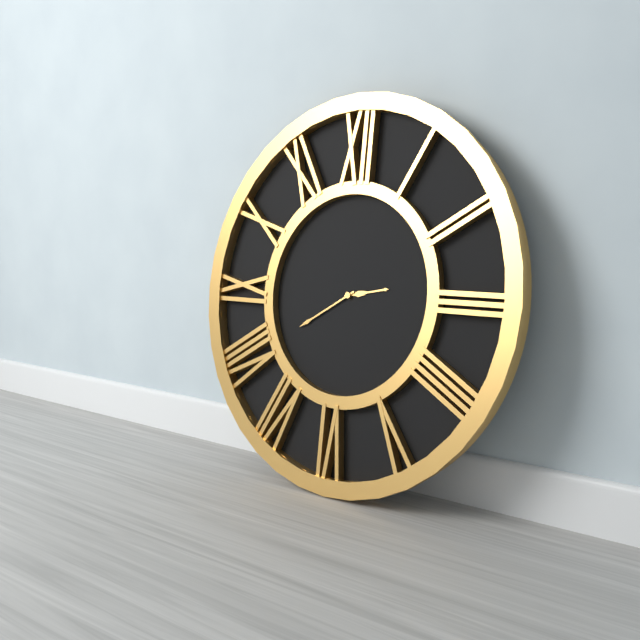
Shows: 2:40
